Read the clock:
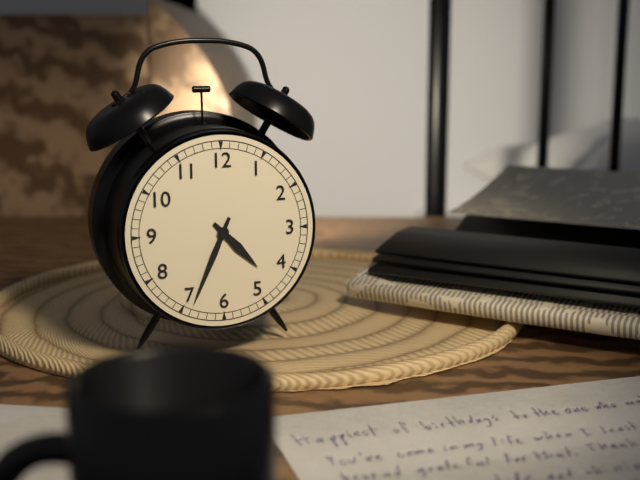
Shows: 4:34
